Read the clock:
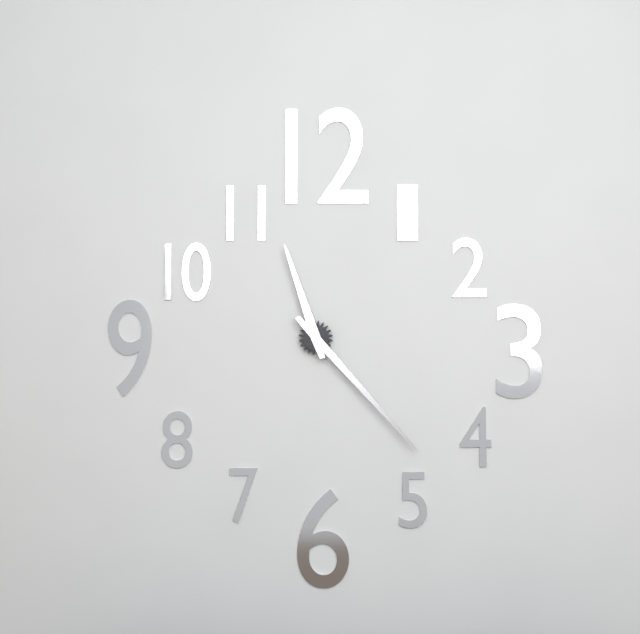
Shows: 11:23
